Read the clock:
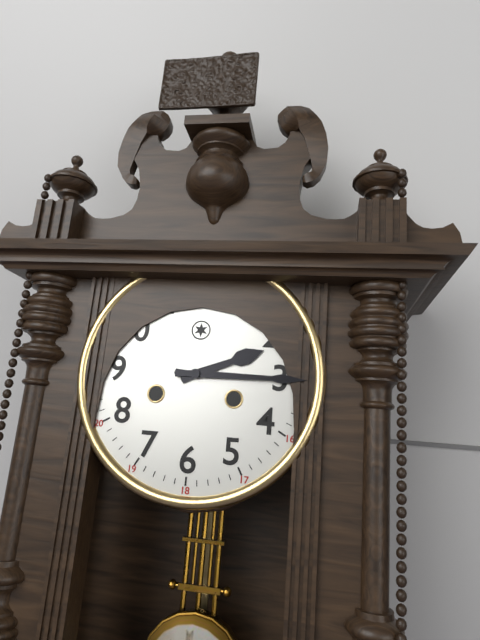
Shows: 2:15
